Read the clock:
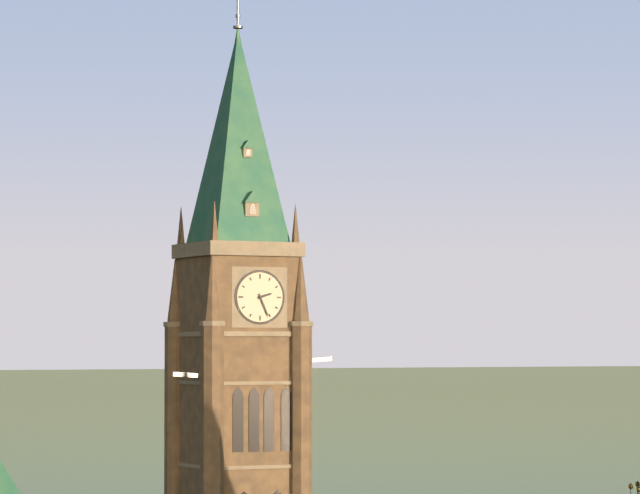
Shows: 2:26
